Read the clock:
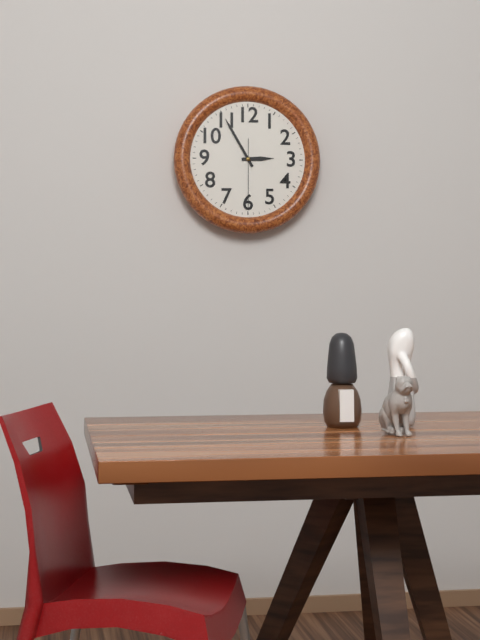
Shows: 2:55:30
